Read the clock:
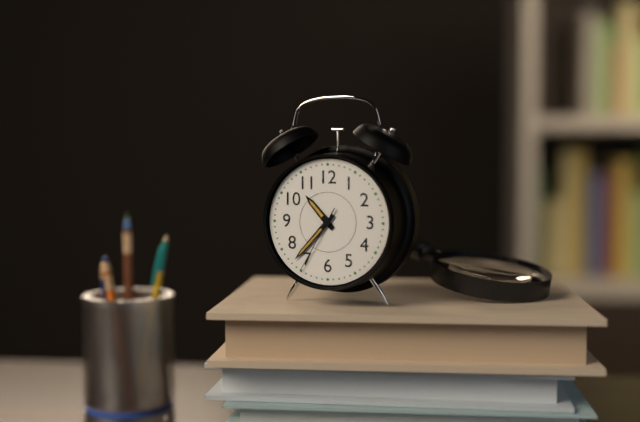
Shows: 10:37:35
